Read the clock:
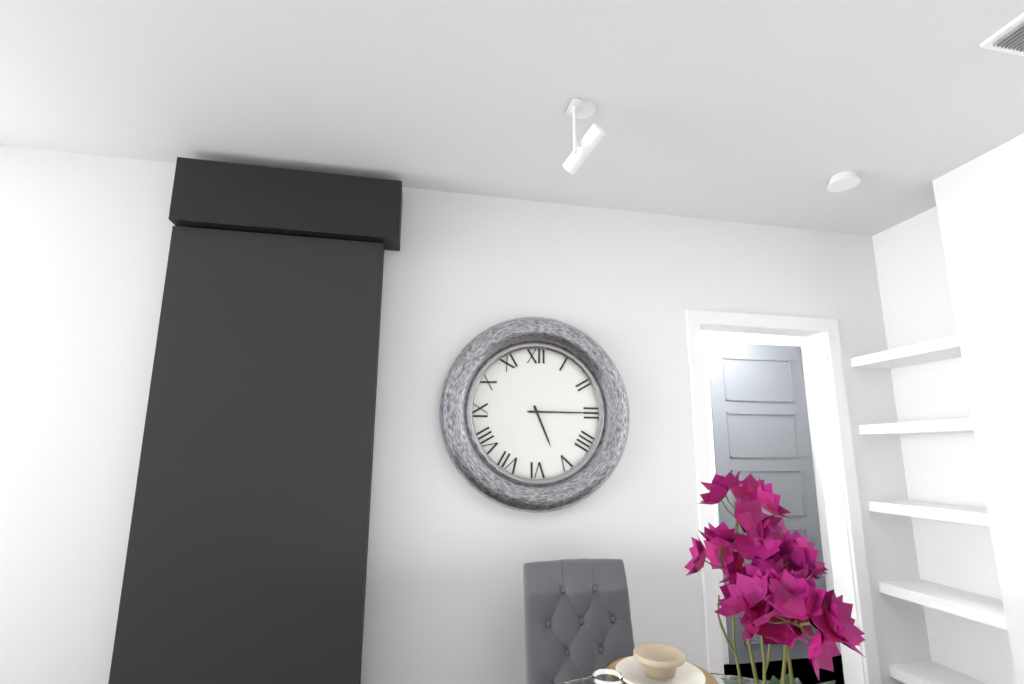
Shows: 5:15
